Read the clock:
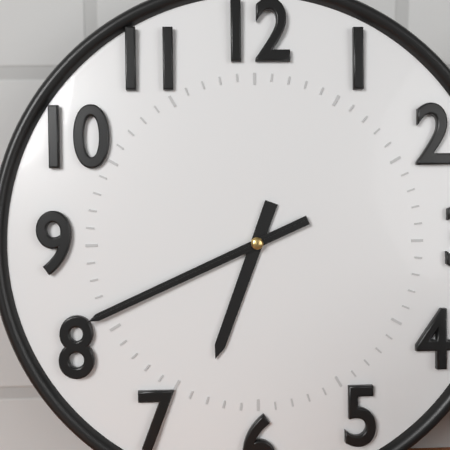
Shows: 6:41:41
